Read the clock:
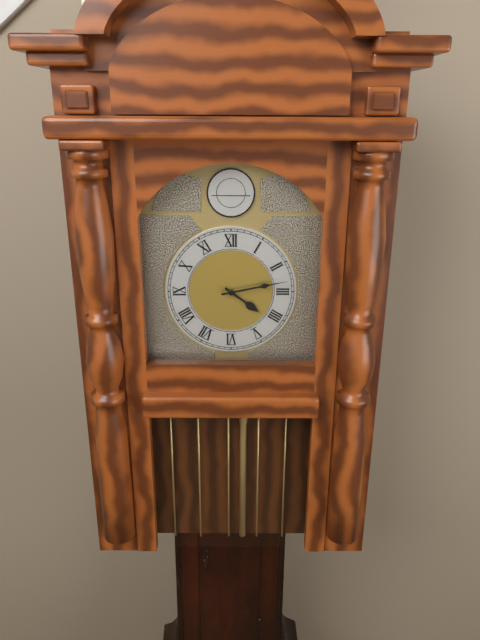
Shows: 4:13
